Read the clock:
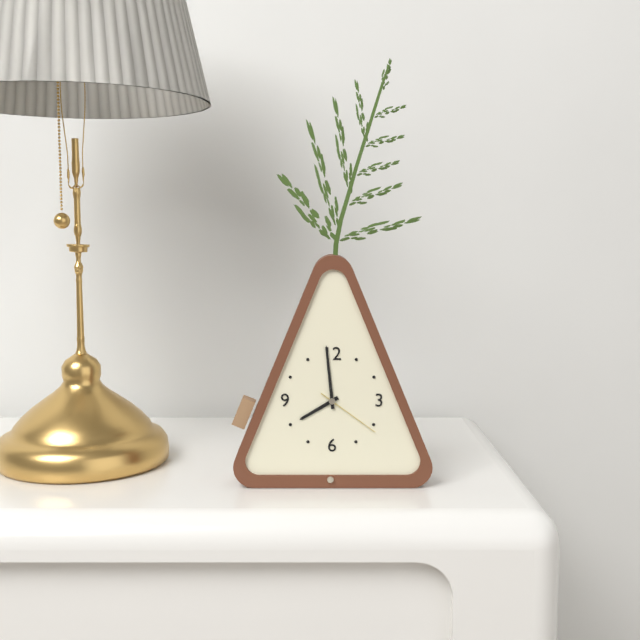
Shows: 7:59:21
